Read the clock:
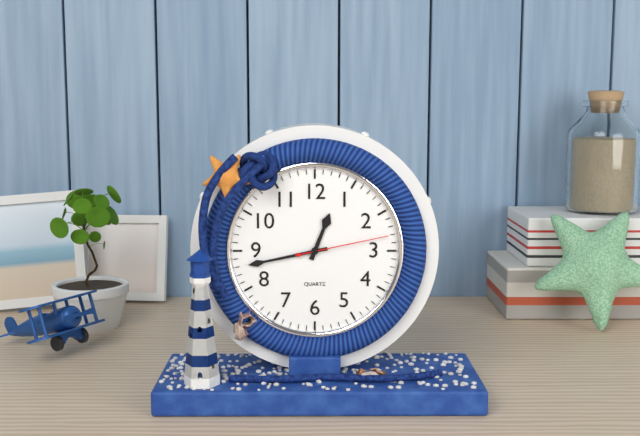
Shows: 12:43:13
